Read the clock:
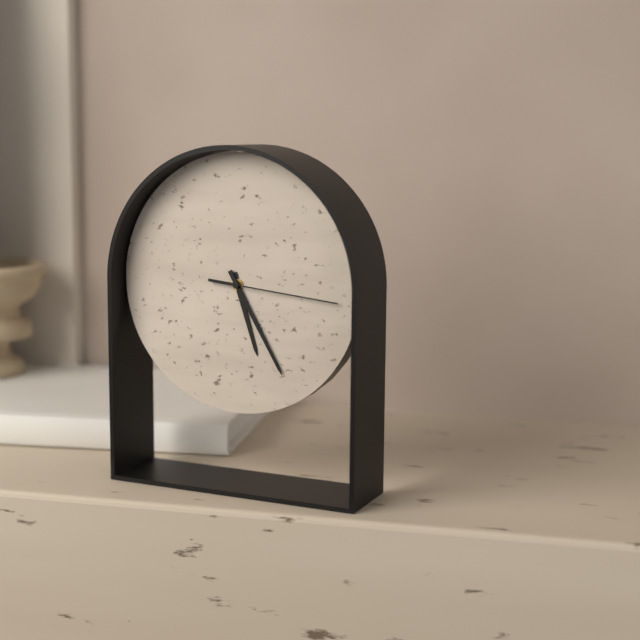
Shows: 5:25:16
